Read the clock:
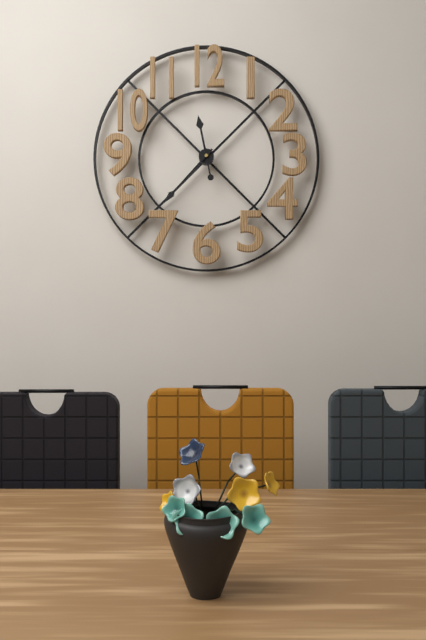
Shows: 11:37
